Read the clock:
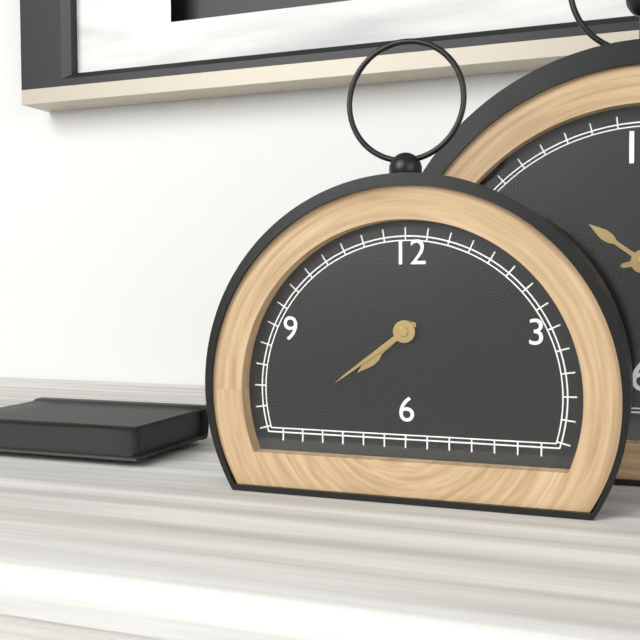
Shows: 7:39
